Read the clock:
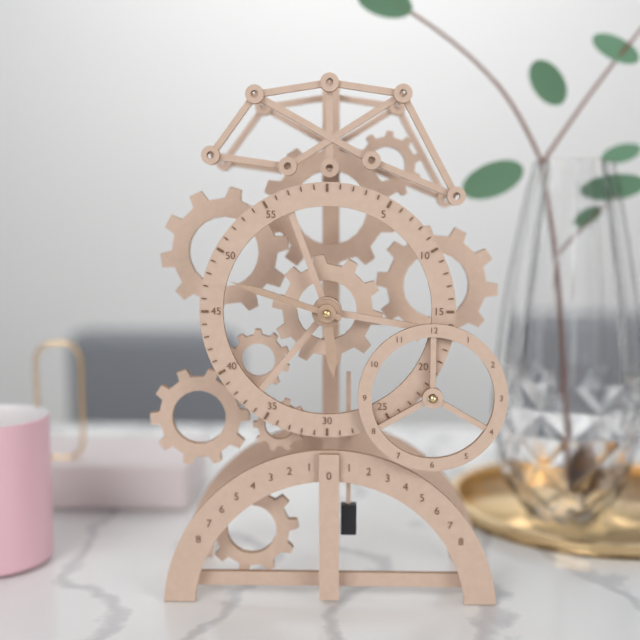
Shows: 5:48
